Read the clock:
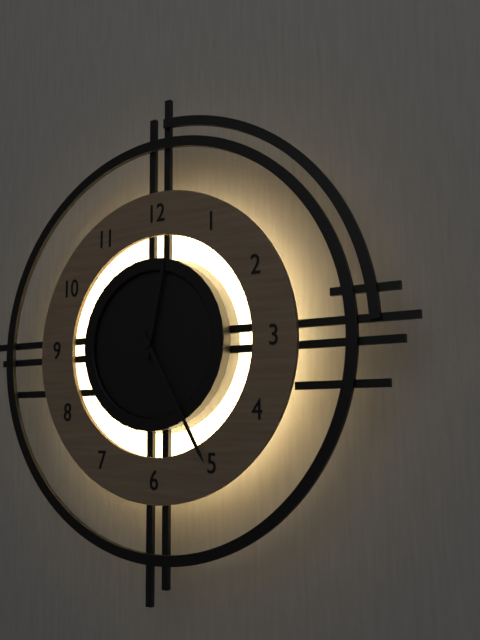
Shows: 12:25
